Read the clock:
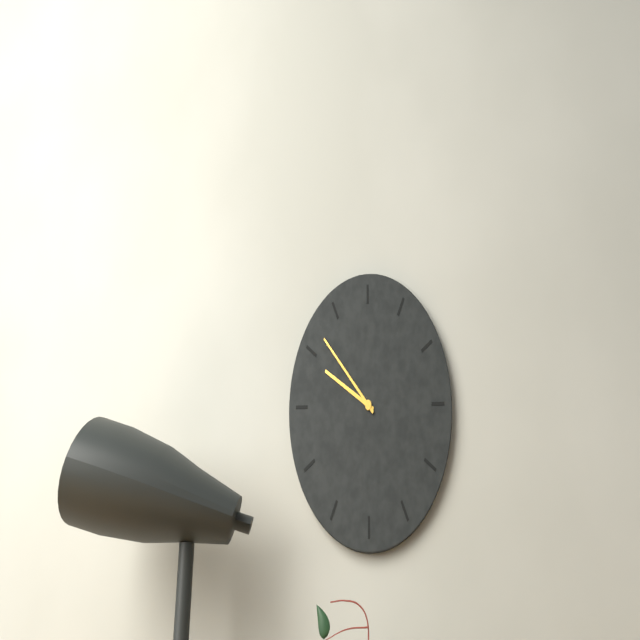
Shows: 9:52
